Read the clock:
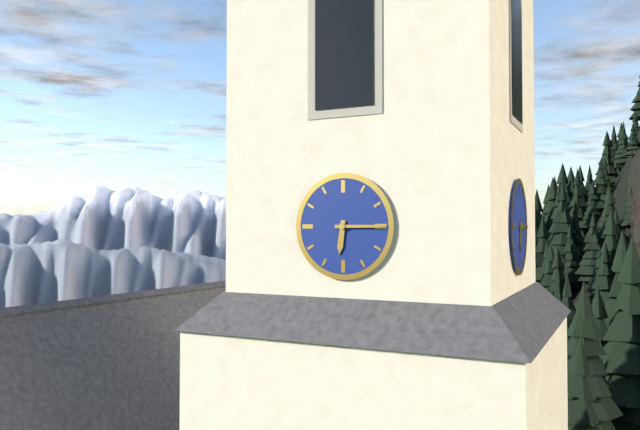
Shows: 6:15
